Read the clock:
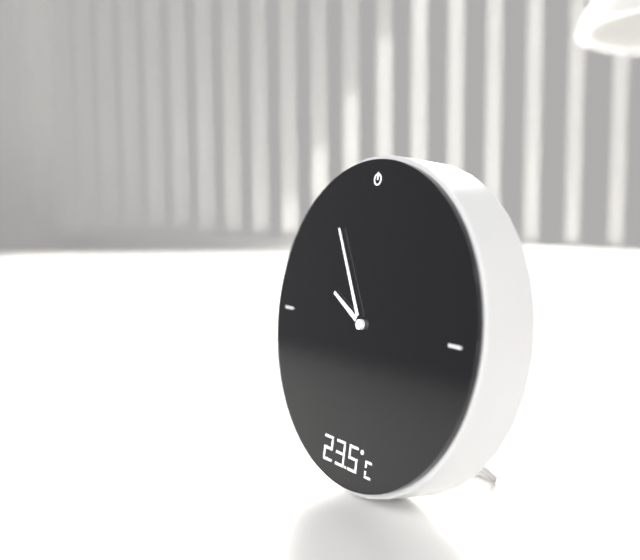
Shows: 9:55
